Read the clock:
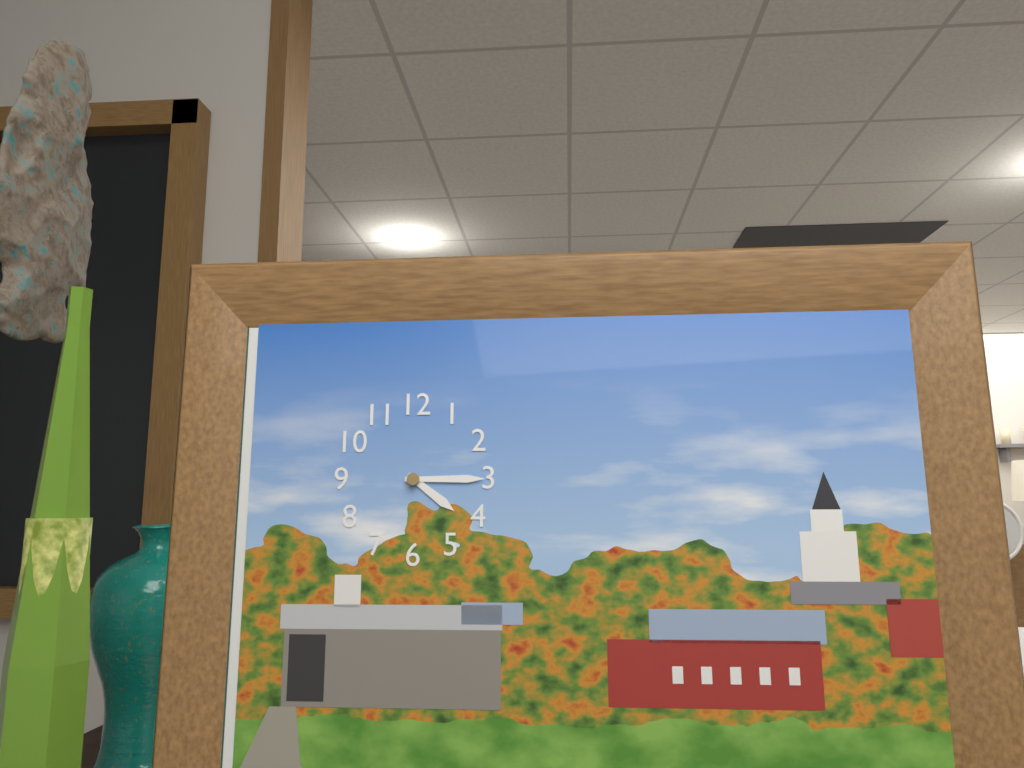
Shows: 4:15
